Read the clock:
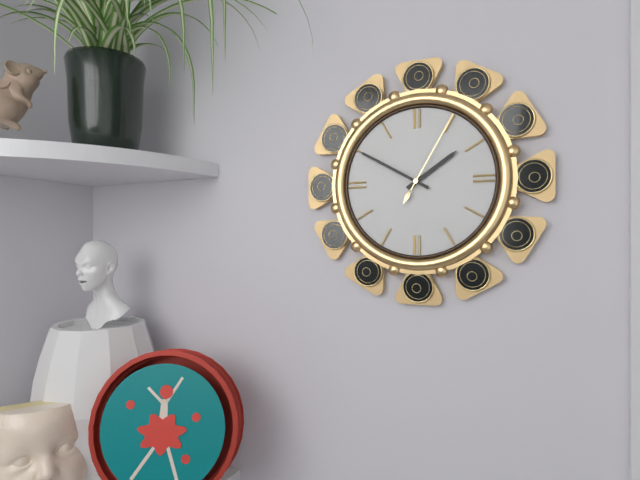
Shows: 1:50:05
